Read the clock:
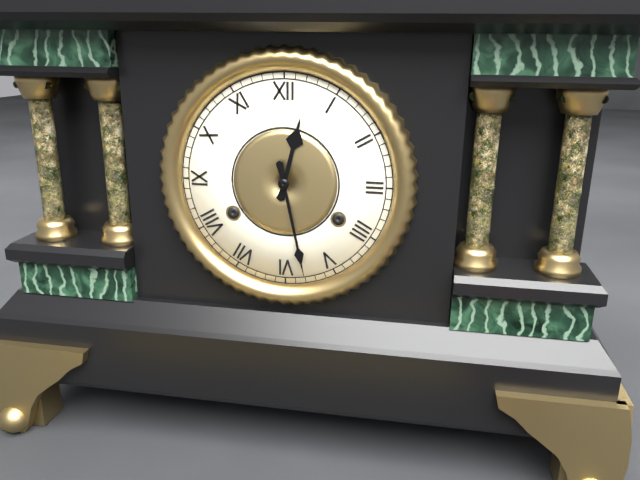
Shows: 12:28
